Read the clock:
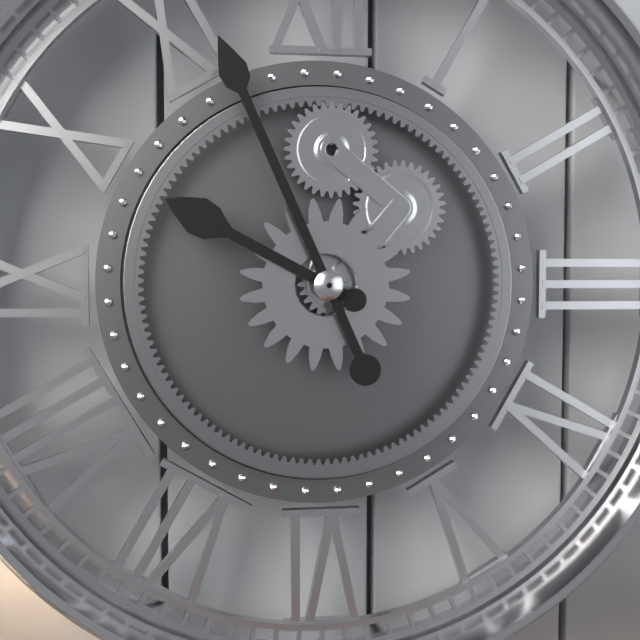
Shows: 9:56
